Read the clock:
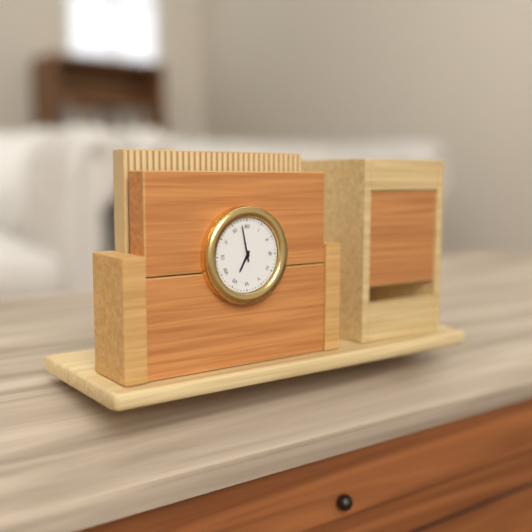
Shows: 6:58
